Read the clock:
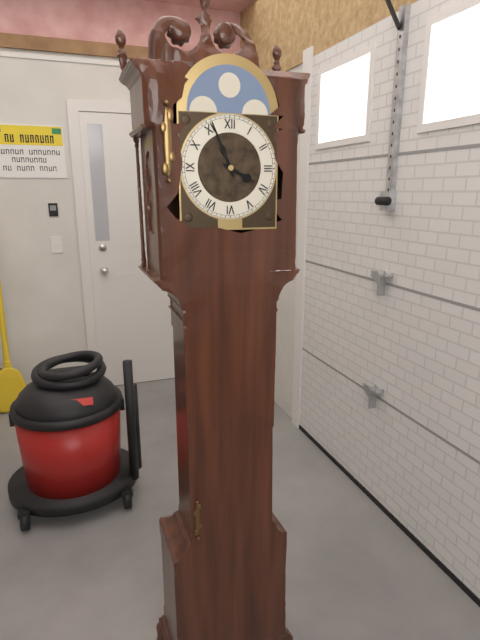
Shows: 3:56
